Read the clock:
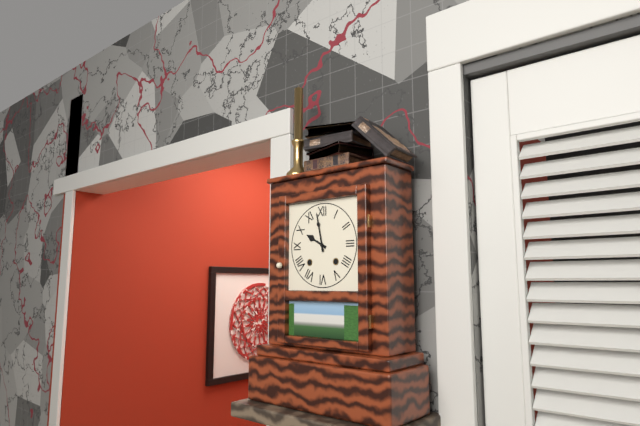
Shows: 9:58
